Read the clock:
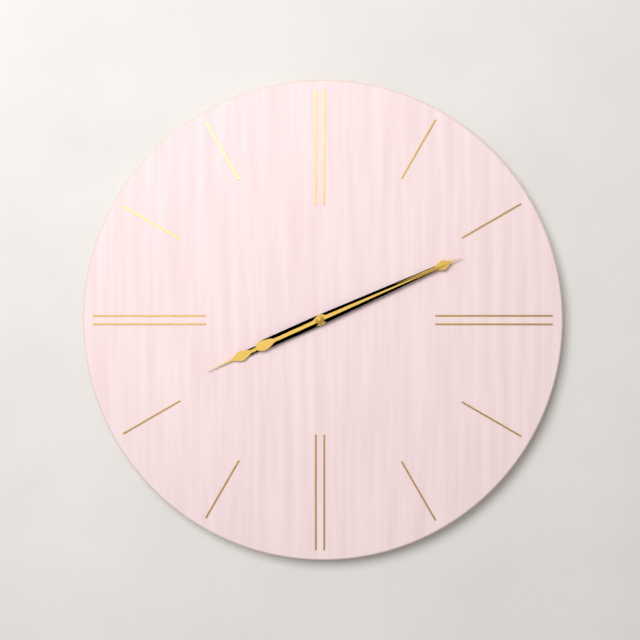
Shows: 8:11
